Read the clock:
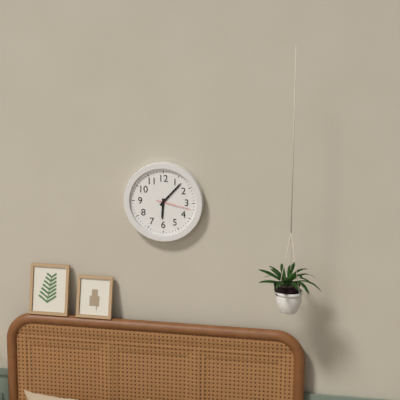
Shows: 6:07
